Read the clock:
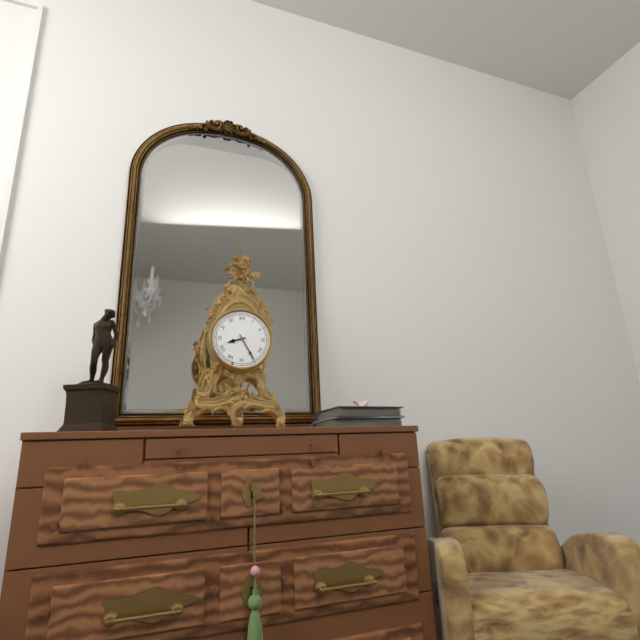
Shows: 8:25
